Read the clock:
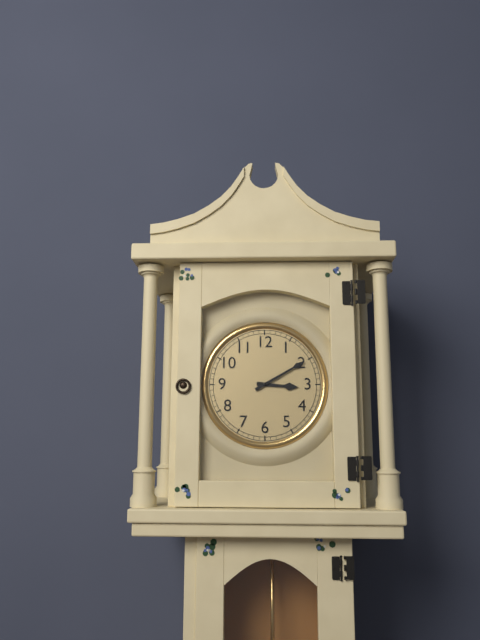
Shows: 3:10
